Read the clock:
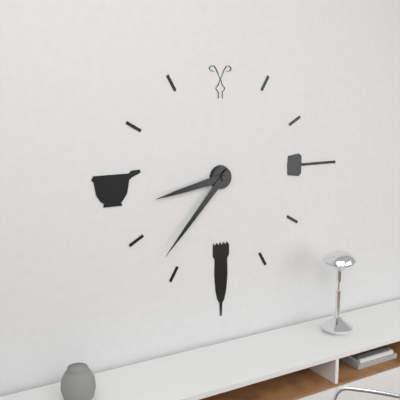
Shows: 8:37
